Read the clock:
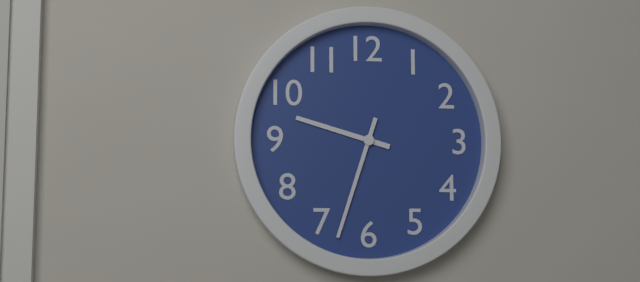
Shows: 9:33
